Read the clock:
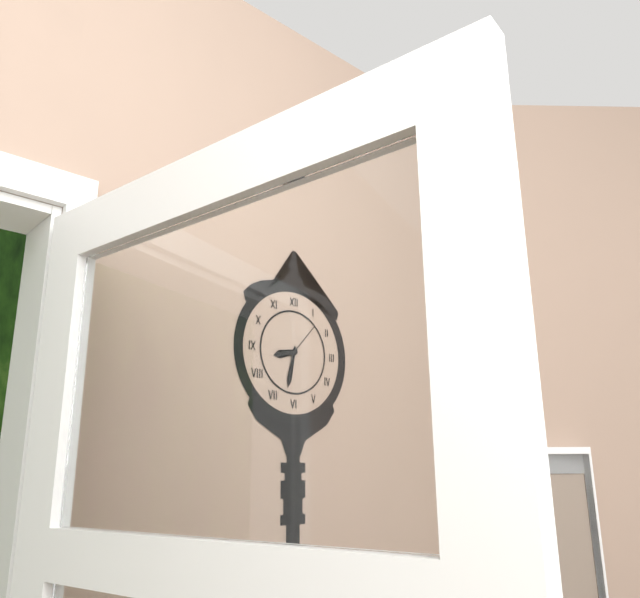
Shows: 8:32
